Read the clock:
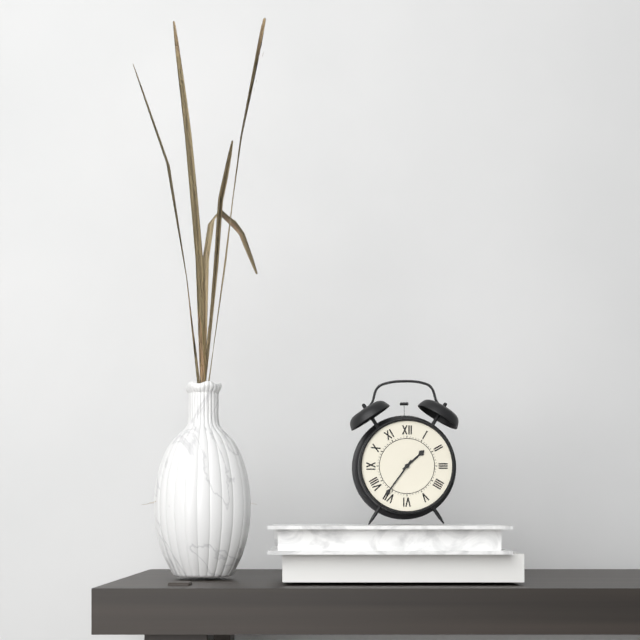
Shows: 1:36
